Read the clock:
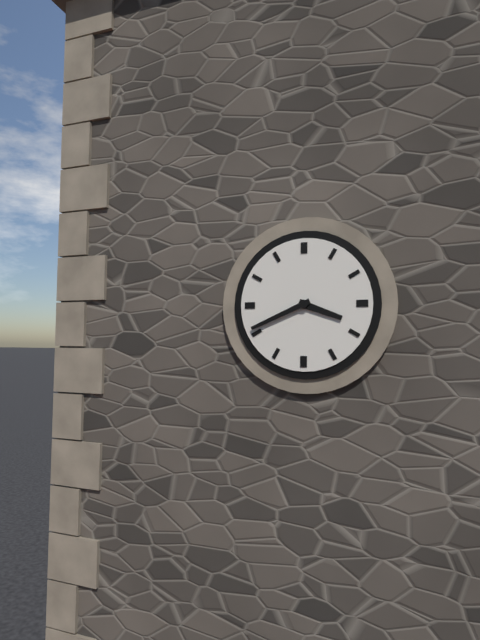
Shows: 3:41
